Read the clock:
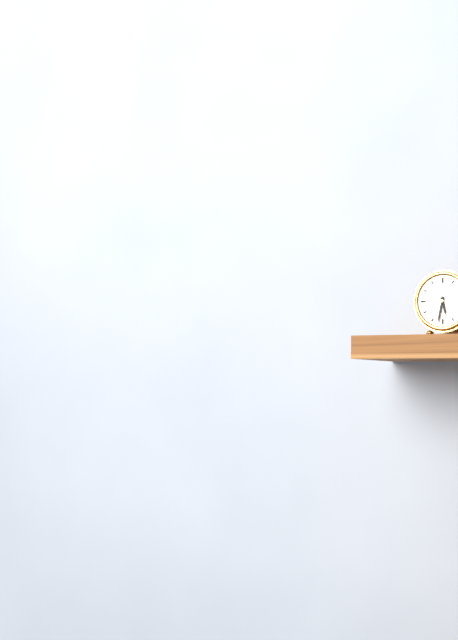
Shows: 5:32
